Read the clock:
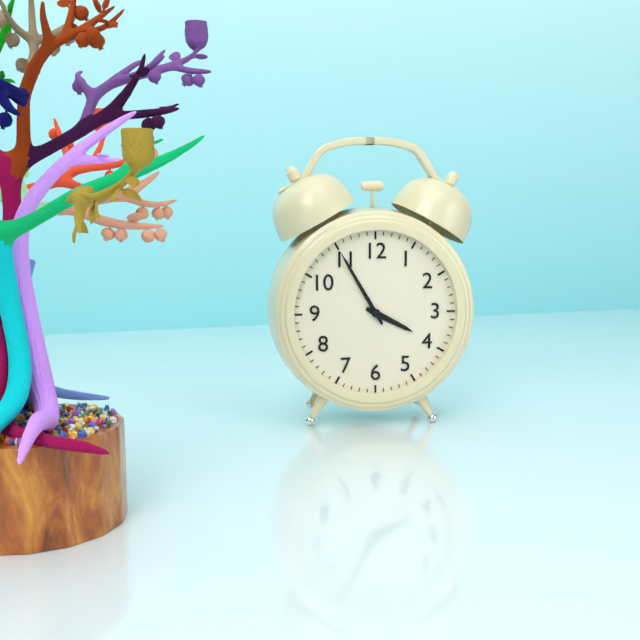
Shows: 3:55
